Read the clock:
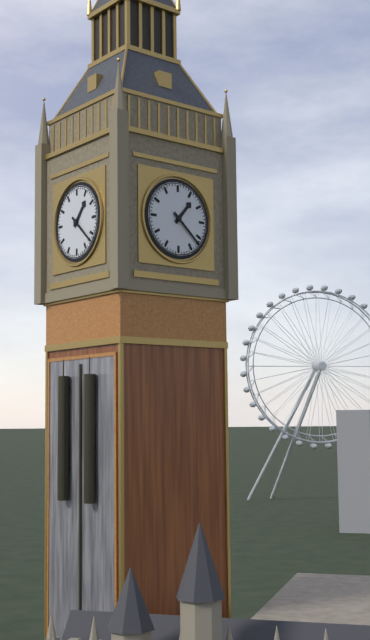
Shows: 1:22
